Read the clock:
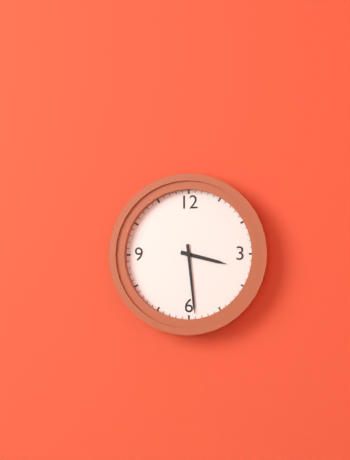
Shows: 3:29
